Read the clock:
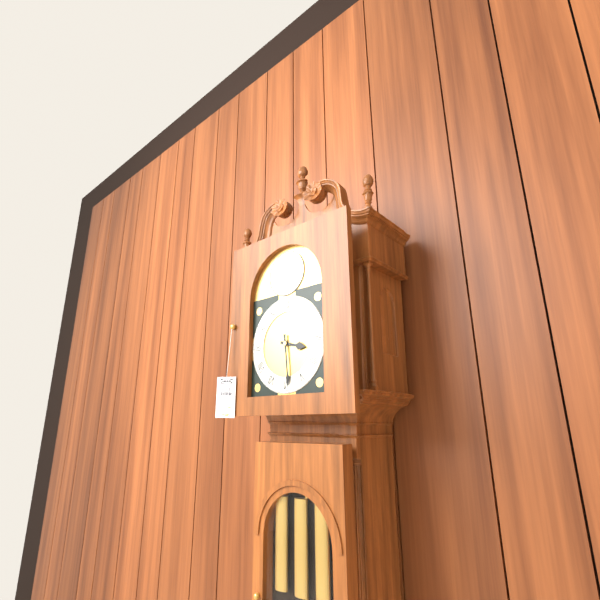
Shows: 3:29
